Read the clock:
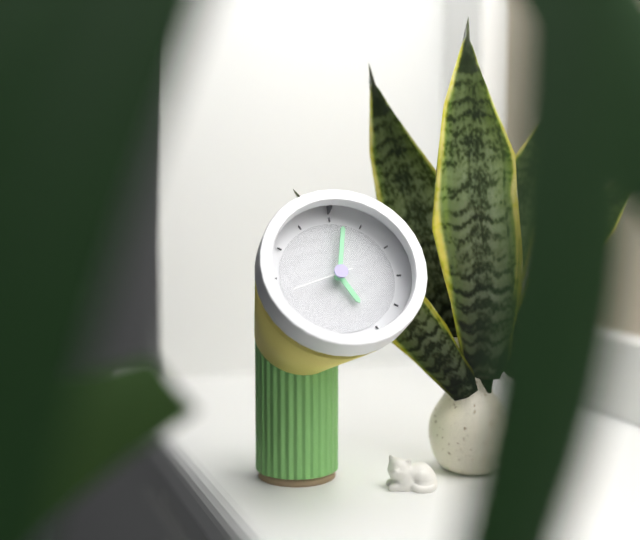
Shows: 5:02:42
